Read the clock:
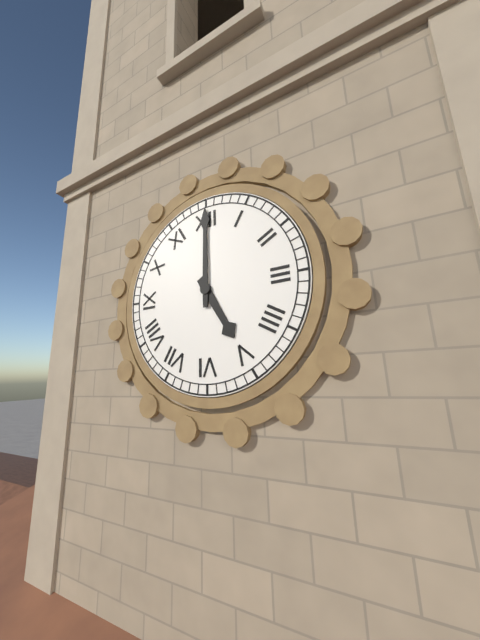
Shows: 5:00
